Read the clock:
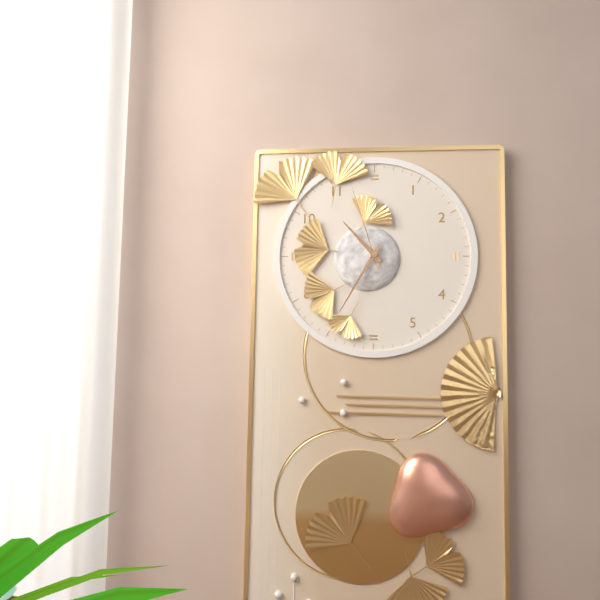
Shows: 10:35:57
